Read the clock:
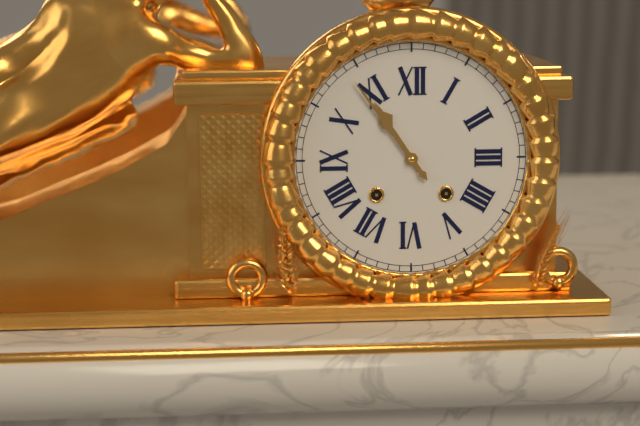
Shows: 10:54
